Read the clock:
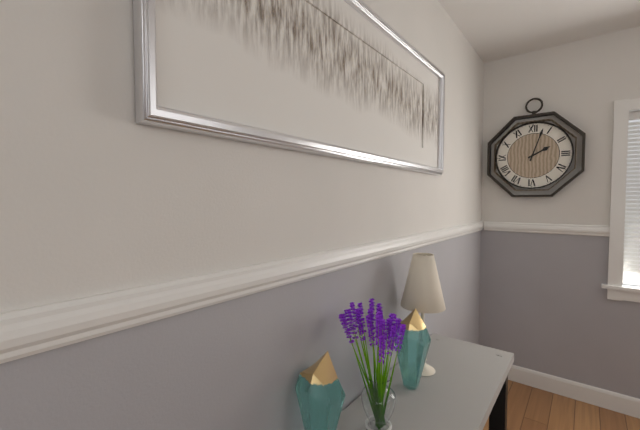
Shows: 2:03
